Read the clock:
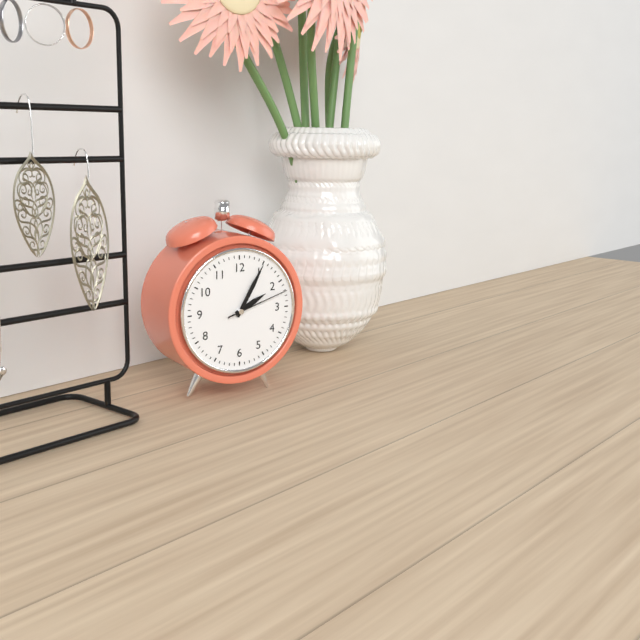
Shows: 2:05:12
